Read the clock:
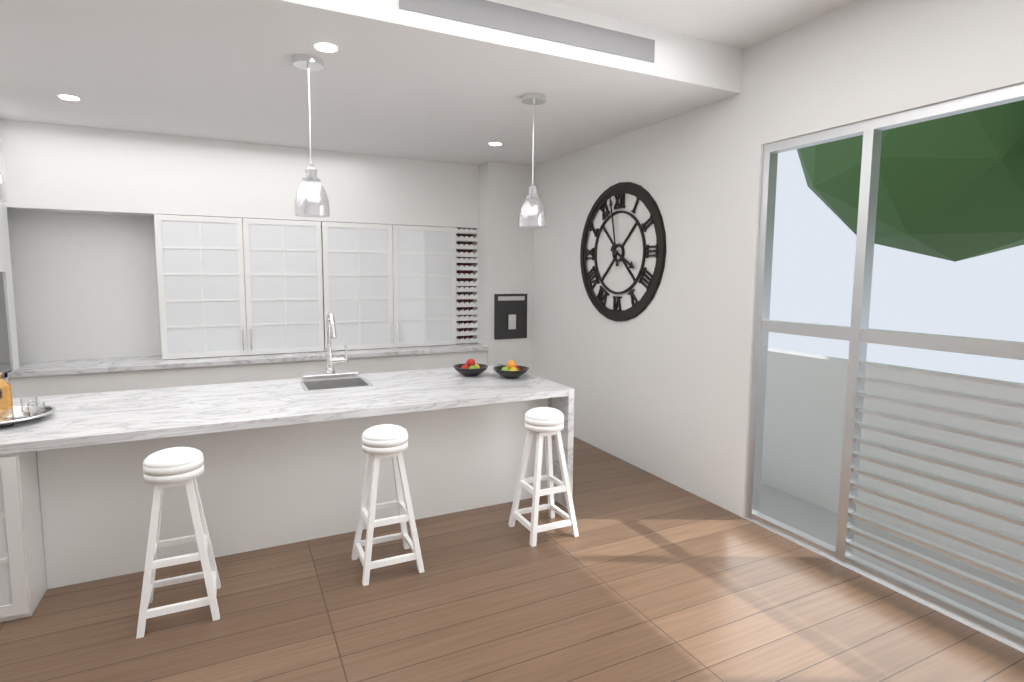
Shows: 3:58
